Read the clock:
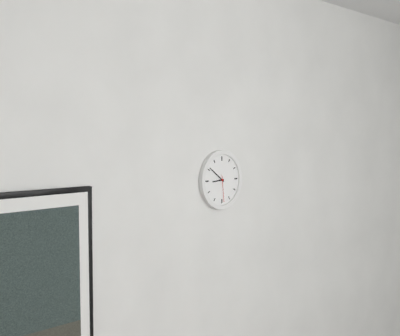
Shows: 8:51
